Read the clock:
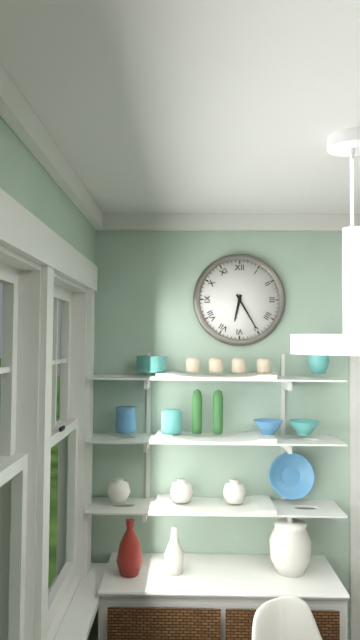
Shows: 6:25
